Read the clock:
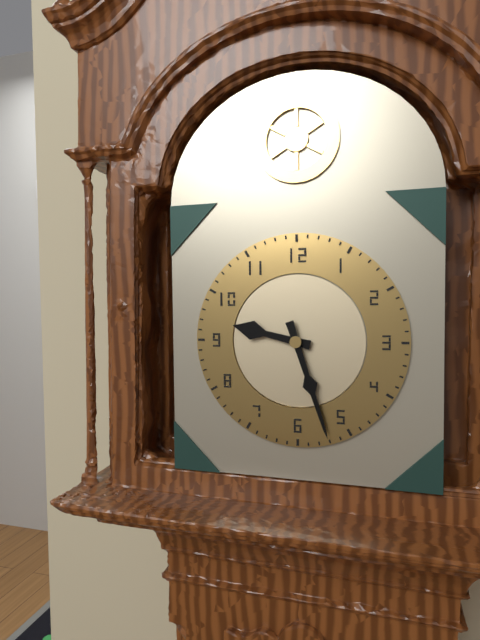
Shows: 9:27
